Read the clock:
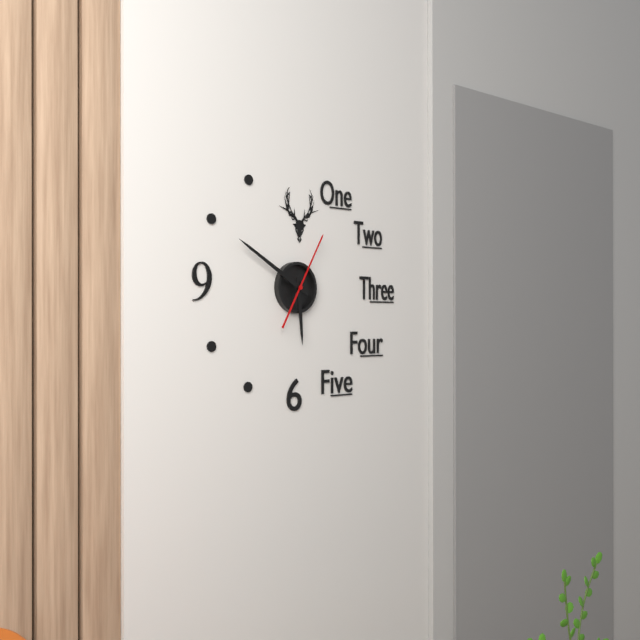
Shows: 5:50:05
